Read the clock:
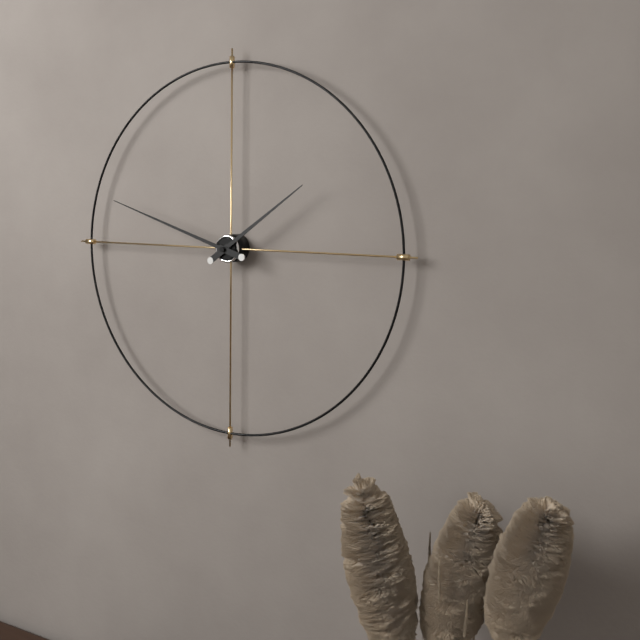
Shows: 1:48
